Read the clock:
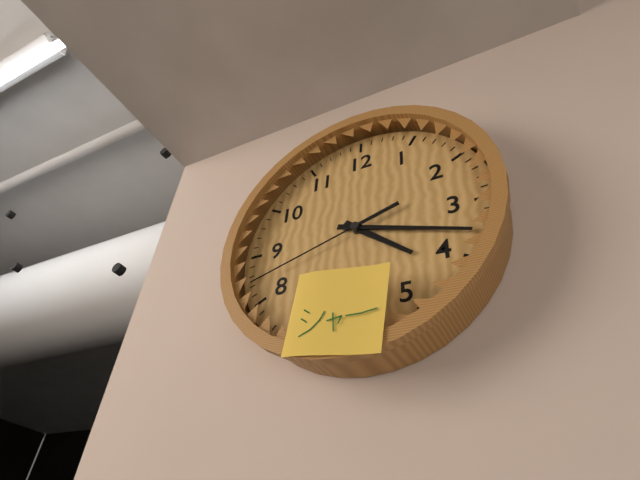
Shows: 4:18:42
